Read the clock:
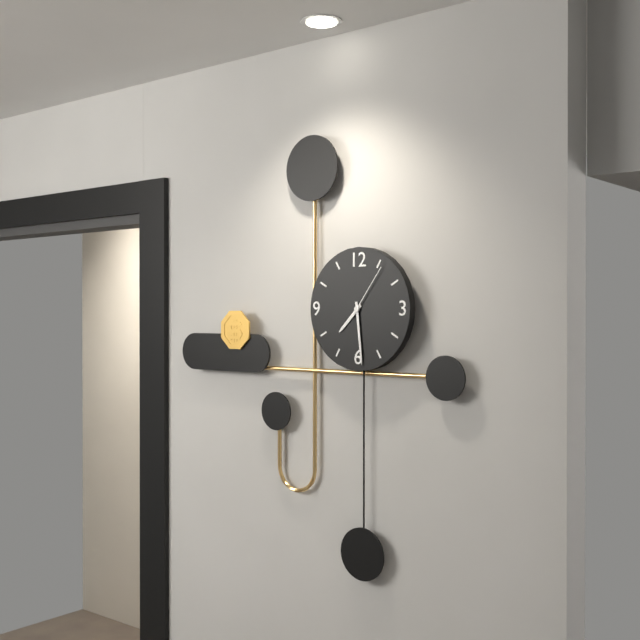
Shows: 7:29:06
